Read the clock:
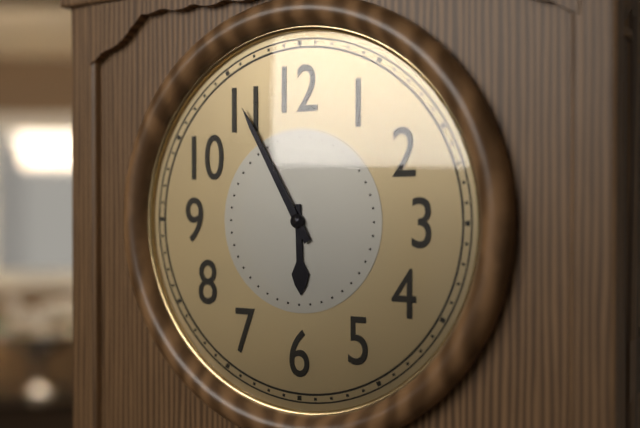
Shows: 5:55
